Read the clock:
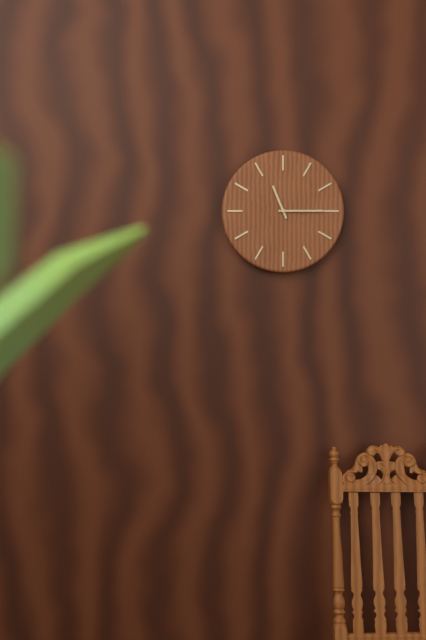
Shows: 11:15
